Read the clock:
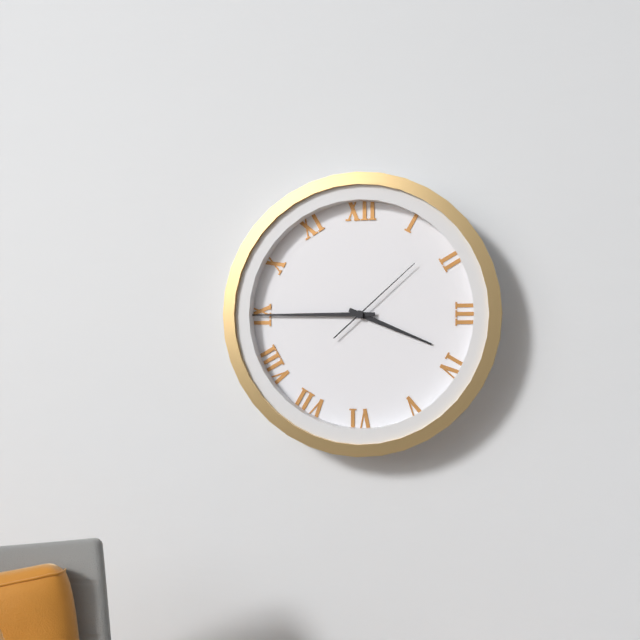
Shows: 3:45:08
